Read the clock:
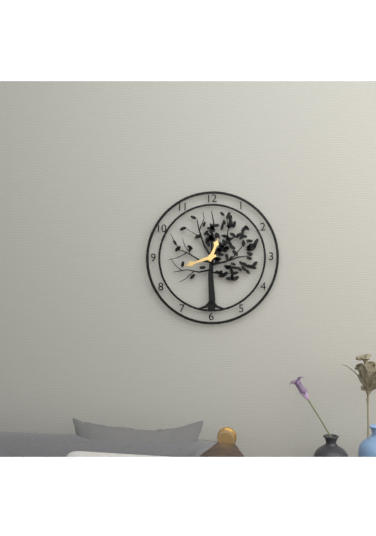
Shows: 12:42
